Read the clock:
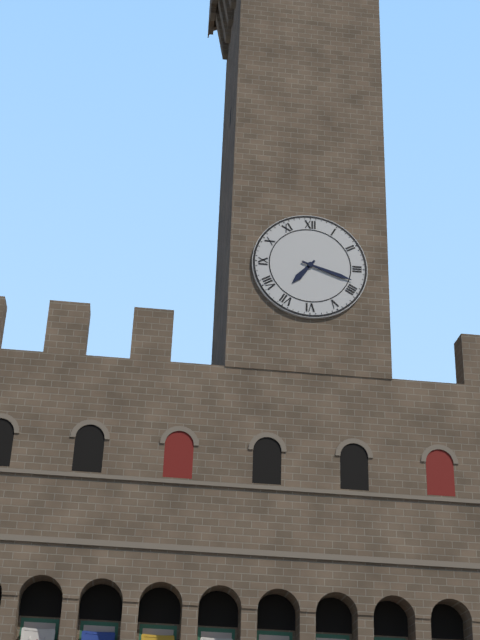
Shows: 7:18
